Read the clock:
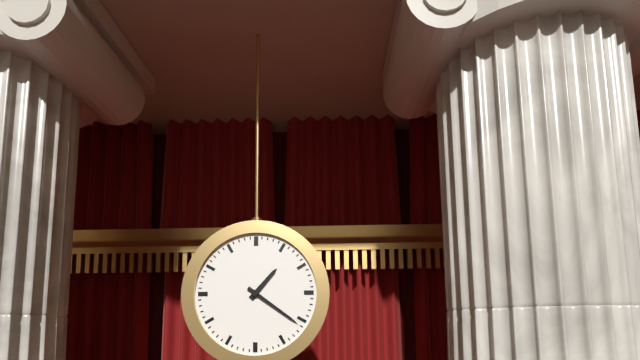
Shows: 1:21
